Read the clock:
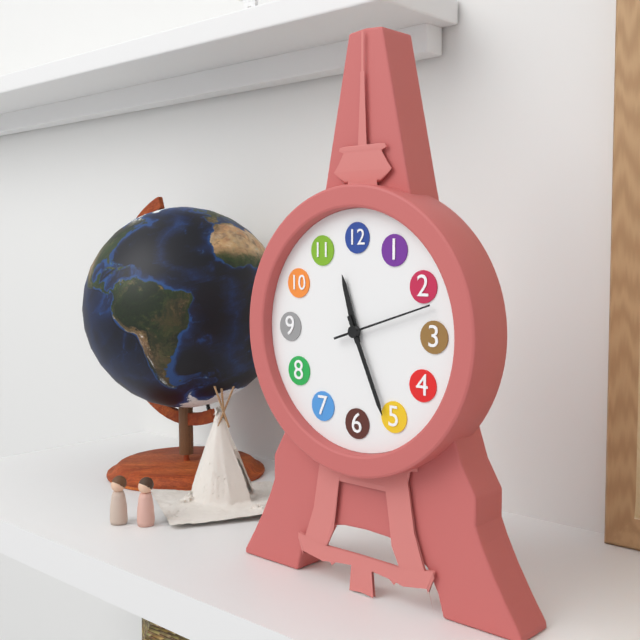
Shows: 11:26:12
